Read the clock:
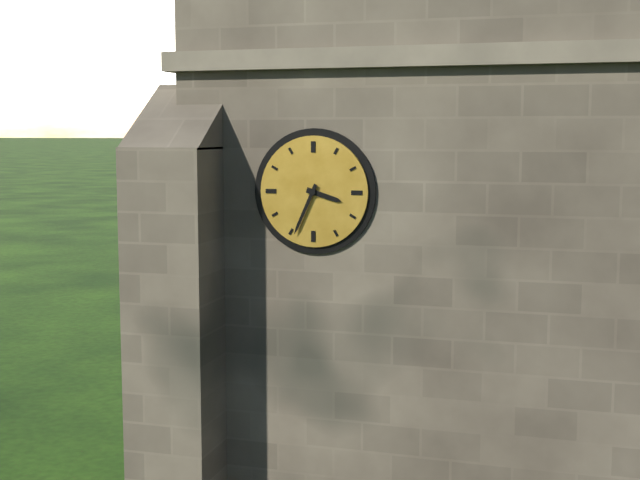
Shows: 3:34
